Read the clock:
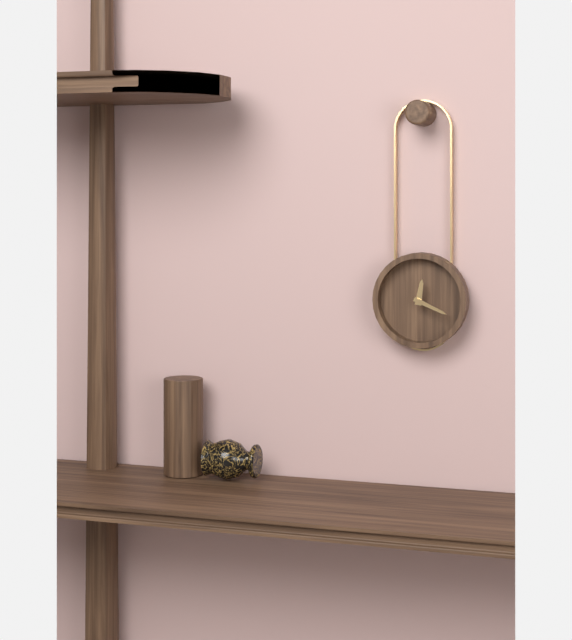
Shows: 12:19
